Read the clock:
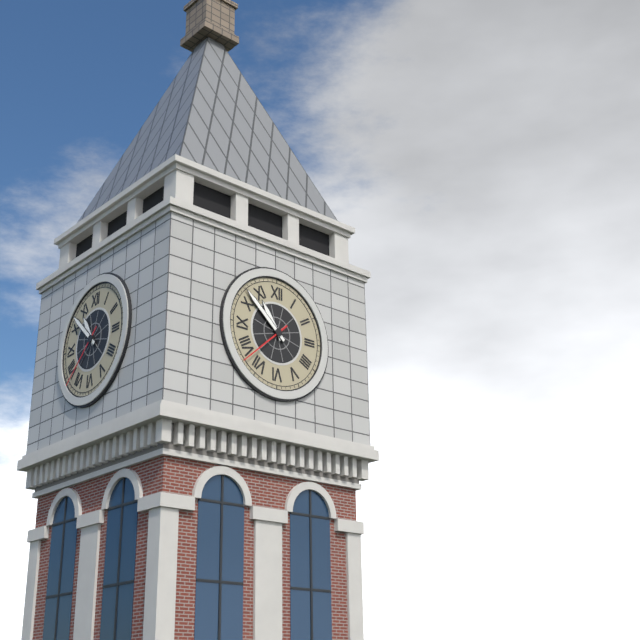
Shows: 10:52:38
